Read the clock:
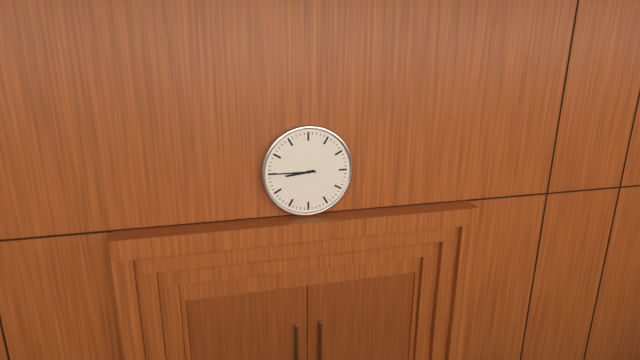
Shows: 8:45
